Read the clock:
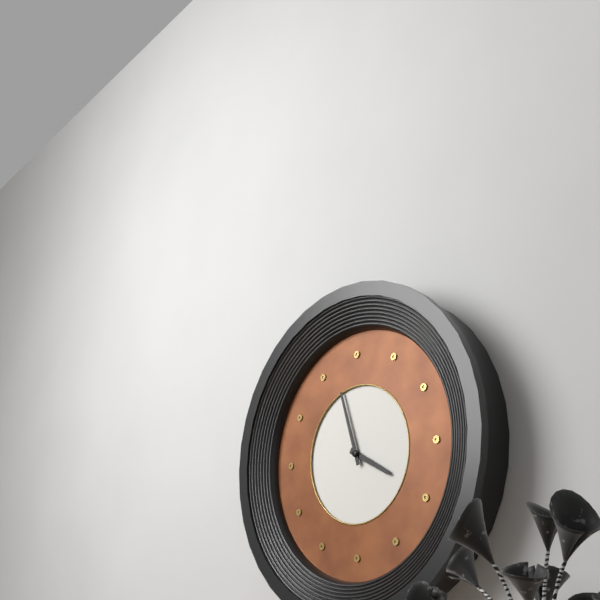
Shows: 3:57
